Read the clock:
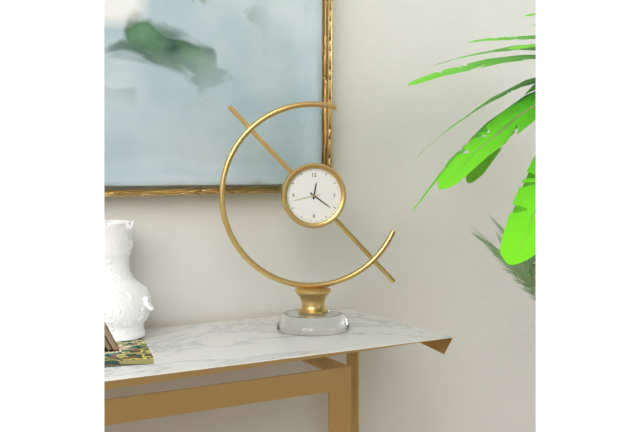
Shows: 12:21
